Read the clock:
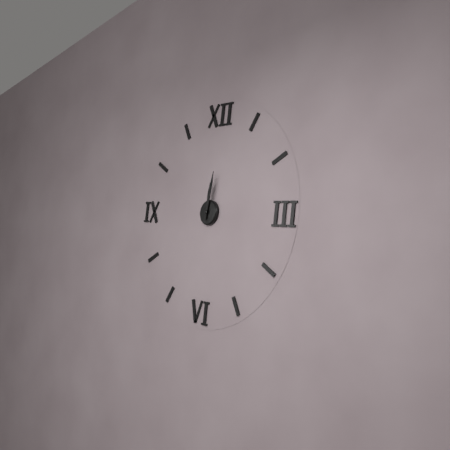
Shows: 12:01
